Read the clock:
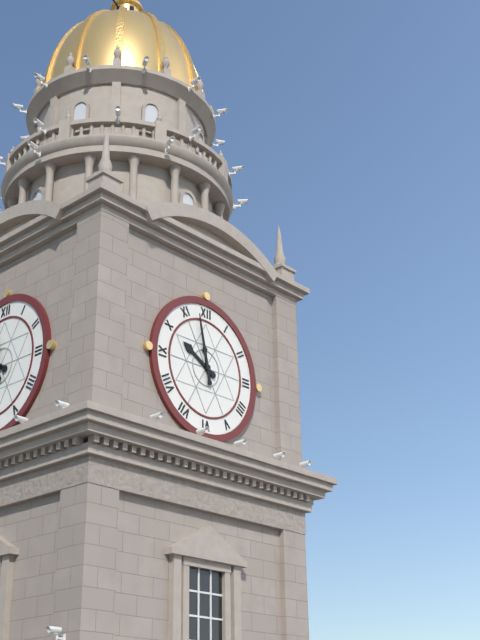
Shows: 9:58
